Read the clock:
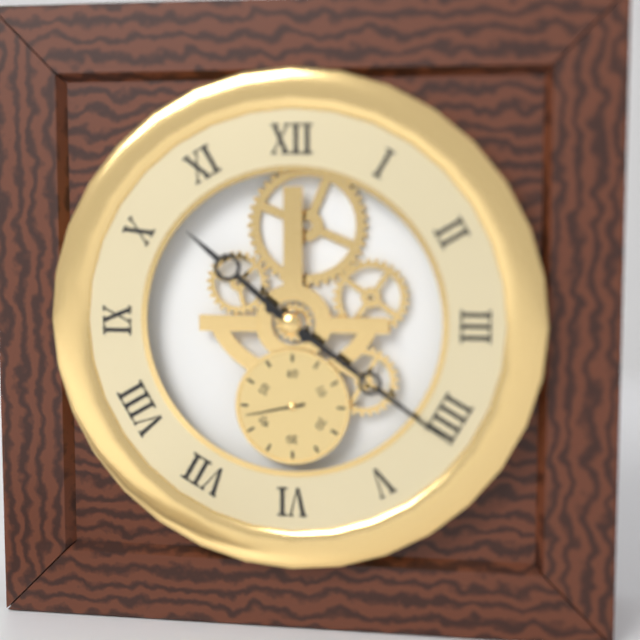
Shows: 10:21:43
